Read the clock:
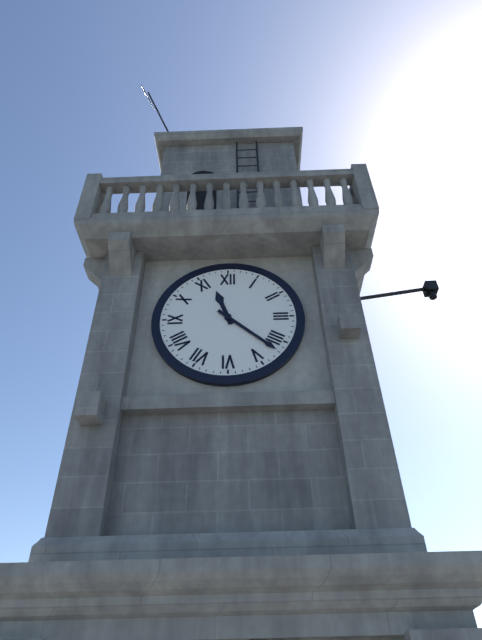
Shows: 11:22
